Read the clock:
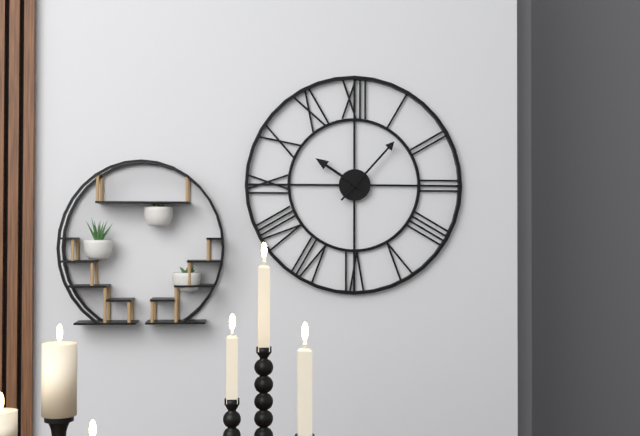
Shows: 10:07
